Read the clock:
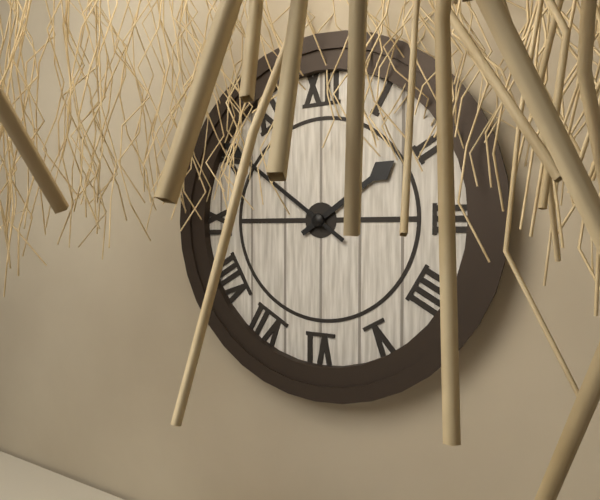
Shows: 1:51
